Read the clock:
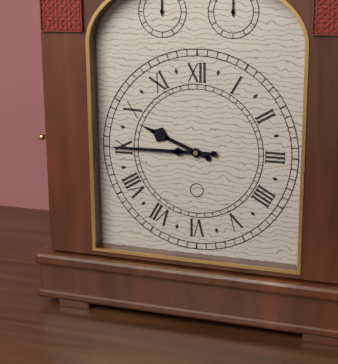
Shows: 9:45
